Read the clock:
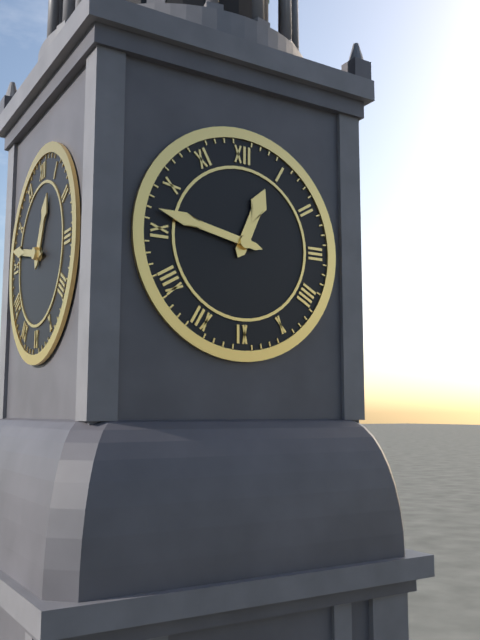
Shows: 12:47
